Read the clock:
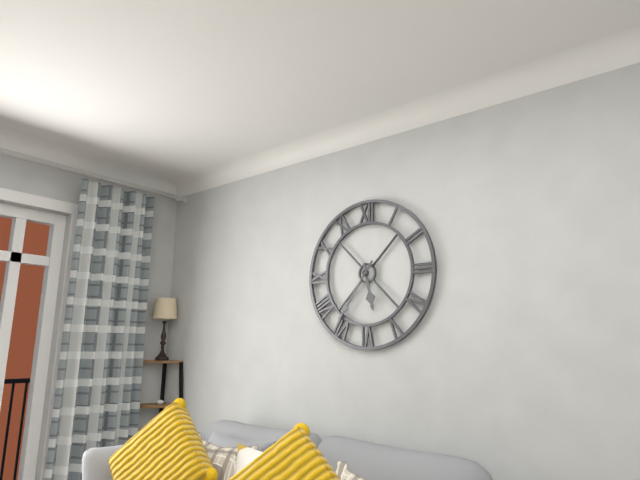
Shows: 5:36
